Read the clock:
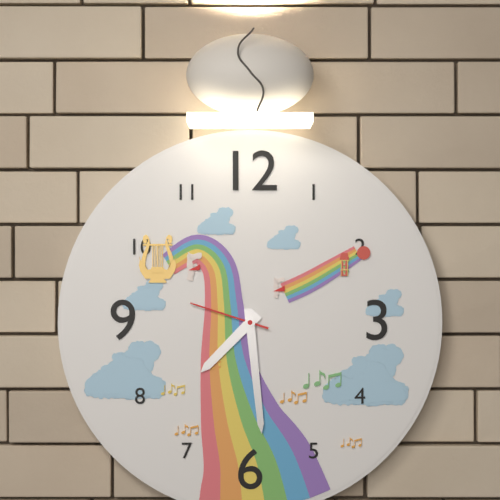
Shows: 7:29:48
